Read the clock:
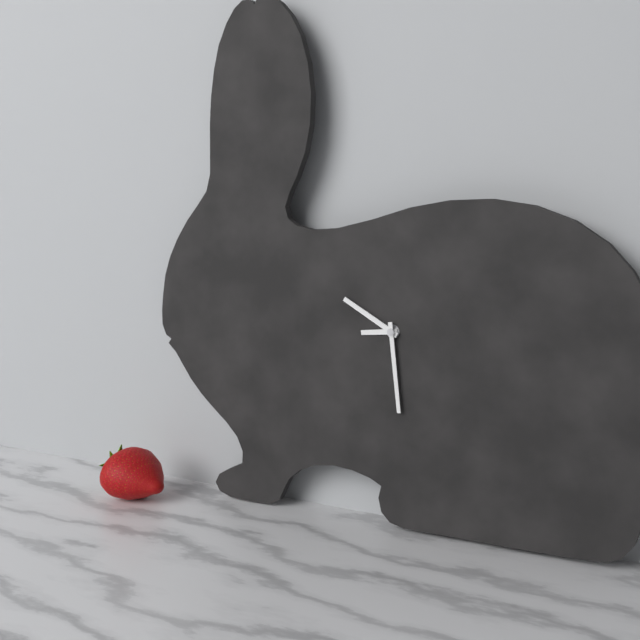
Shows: 8:50:29
